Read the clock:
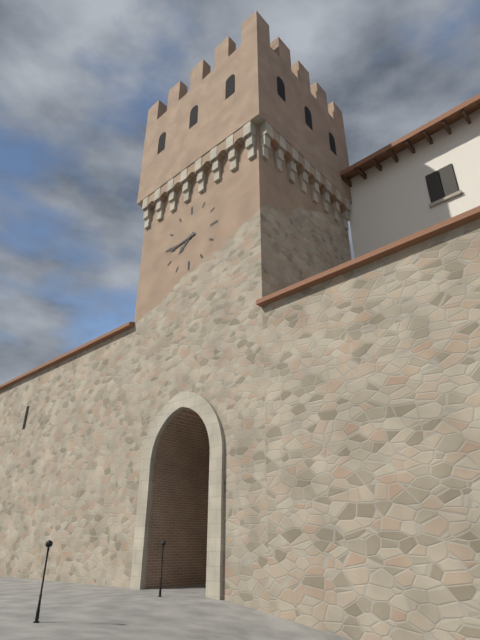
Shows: 7:44
